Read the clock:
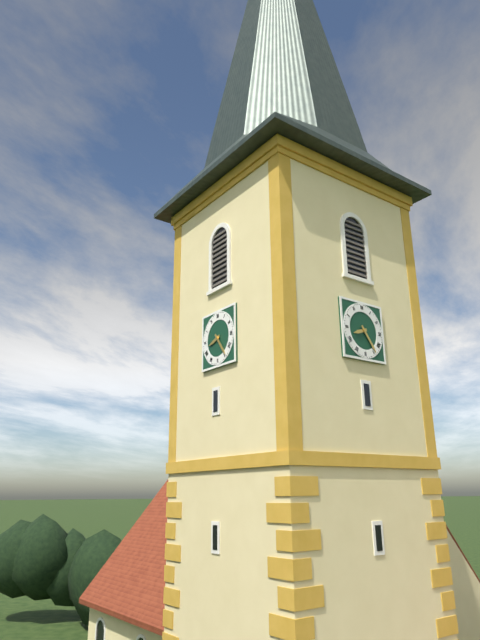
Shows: 8:24
